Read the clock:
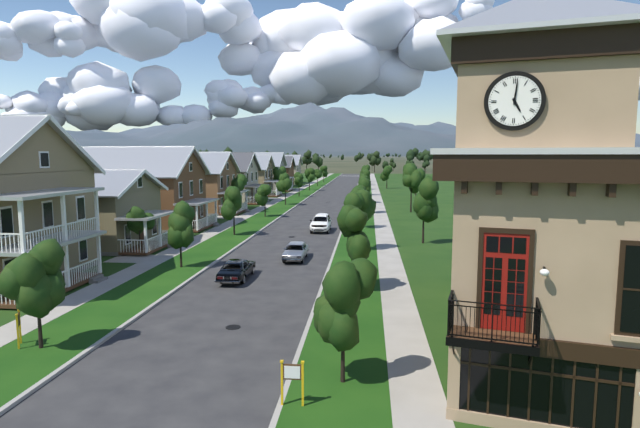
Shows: 5:01
